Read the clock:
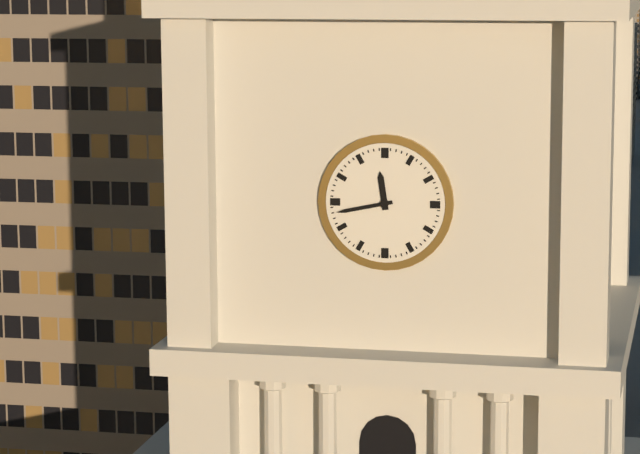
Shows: 11:43
